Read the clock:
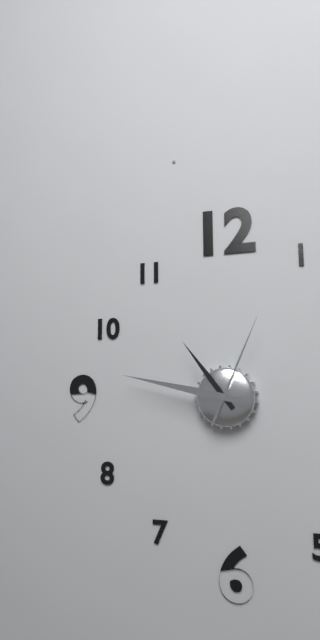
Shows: 10:47:04
